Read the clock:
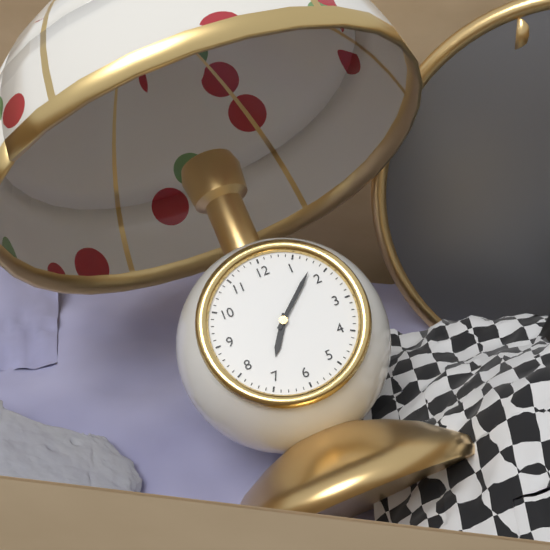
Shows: 7:08
